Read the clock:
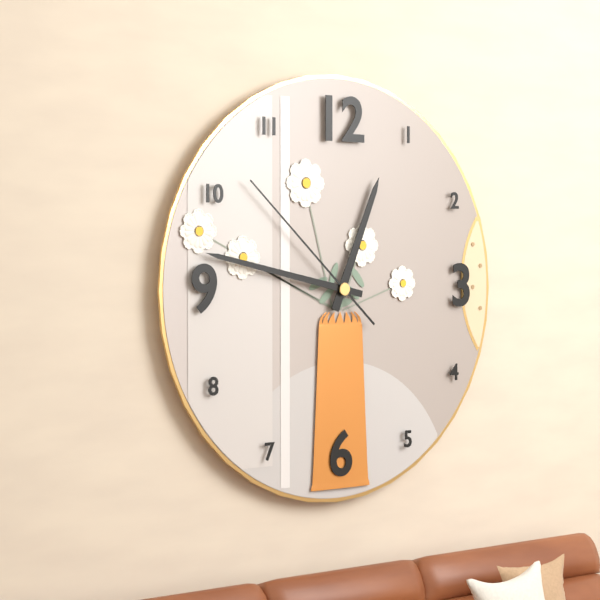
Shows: 12:47:52
